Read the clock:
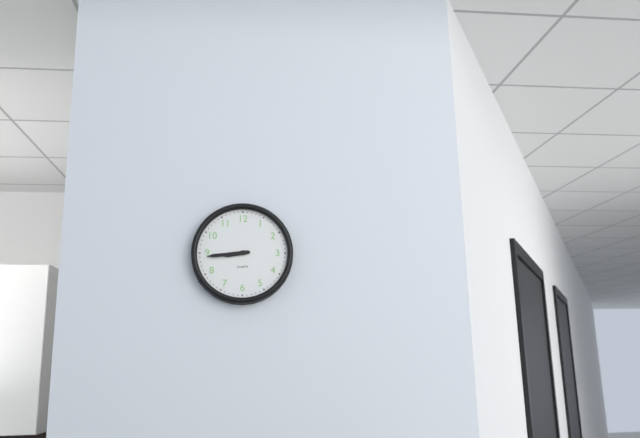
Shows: 8:44
